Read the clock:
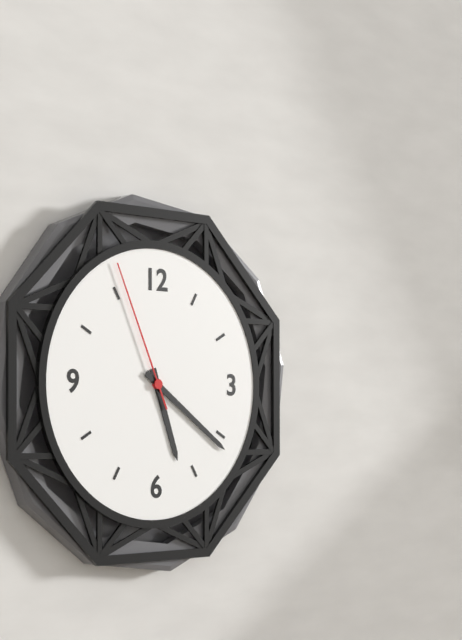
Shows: 5:21:56
